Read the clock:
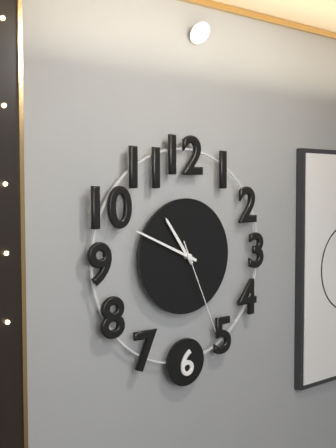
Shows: 10:49:26
